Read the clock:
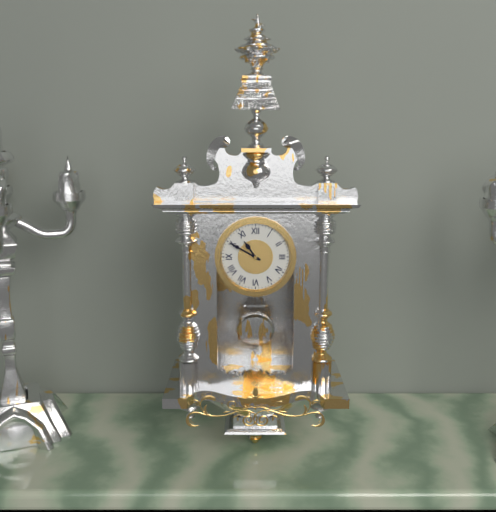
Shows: 10:50
